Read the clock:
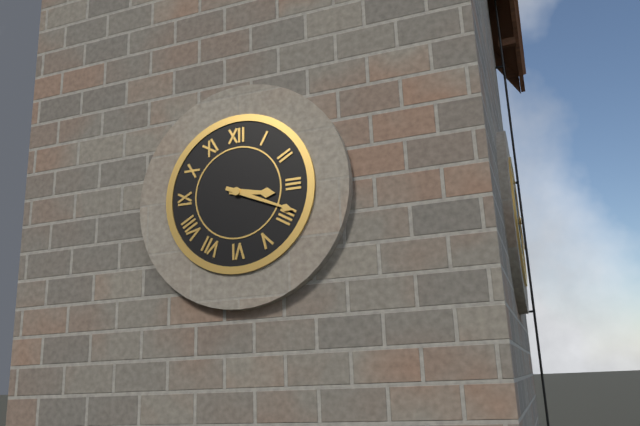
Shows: 3:19
